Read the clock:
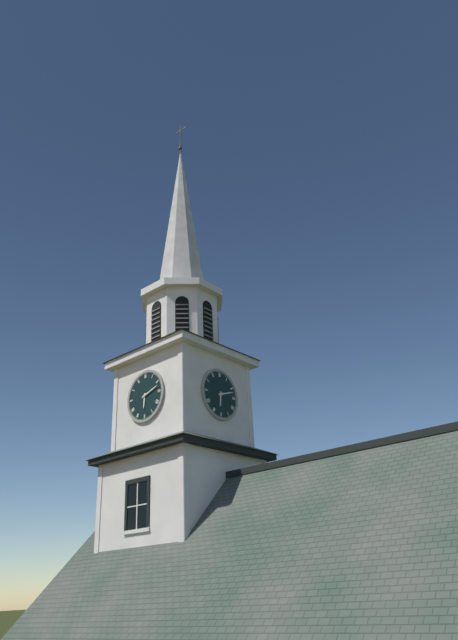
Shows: 6:12
